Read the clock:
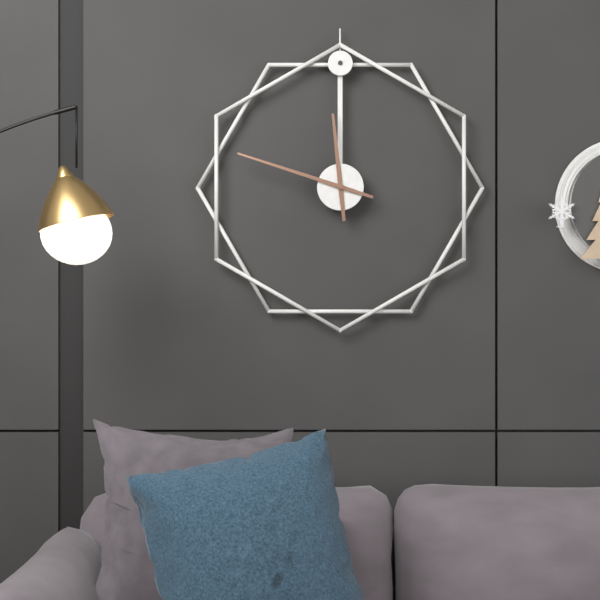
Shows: 11:48
